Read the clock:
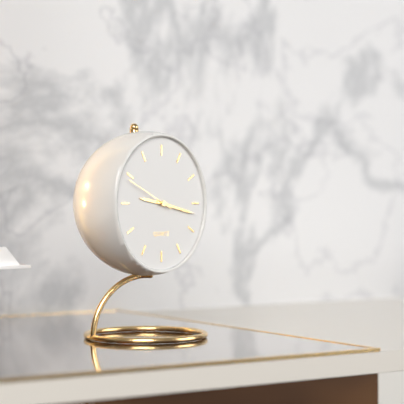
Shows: 9:17:49
